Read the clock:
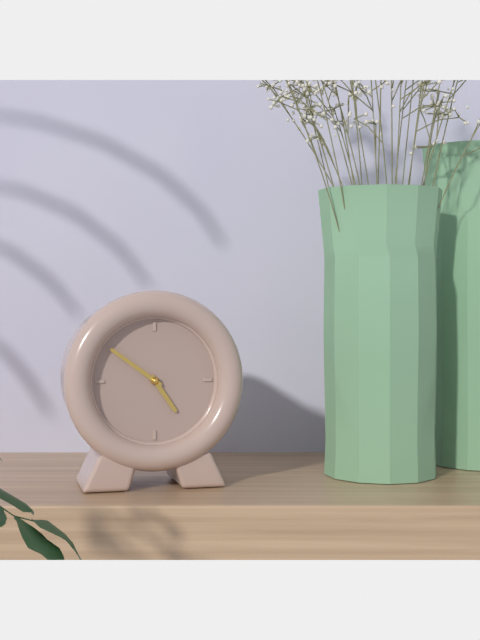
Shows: 4:51
